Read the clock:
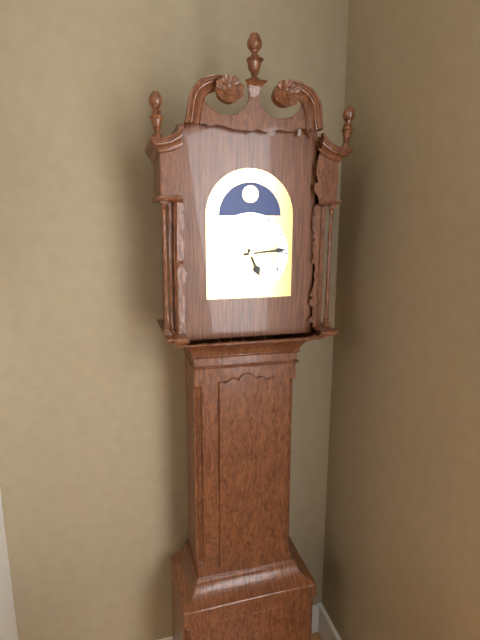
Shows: 5:14
